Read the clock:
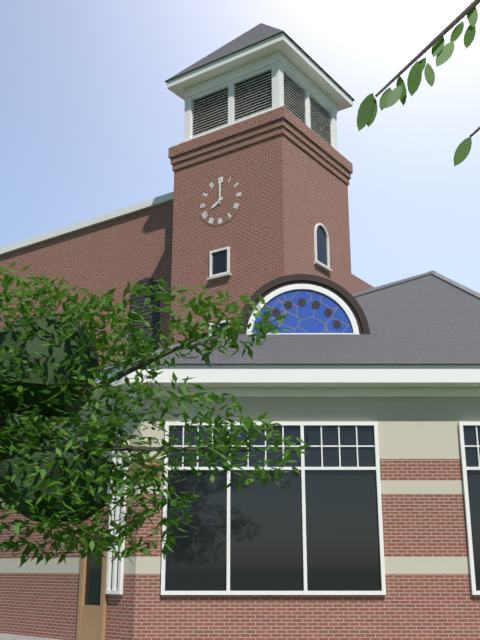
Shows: 8:00
